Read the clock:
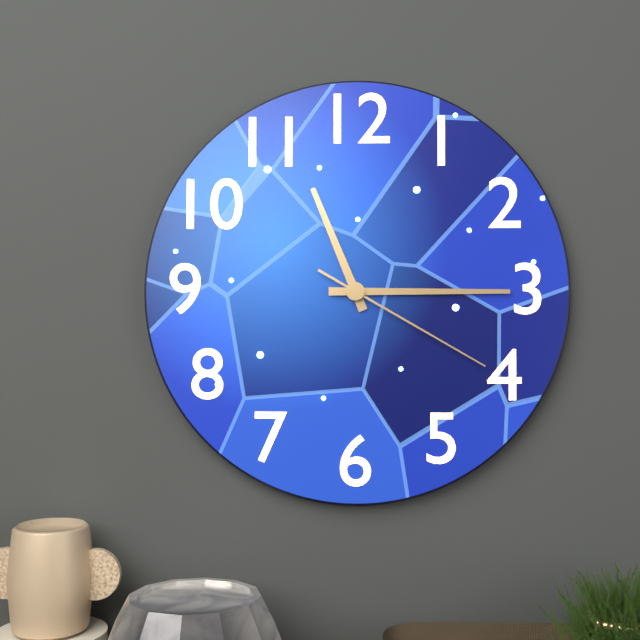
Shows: 11:15:20
